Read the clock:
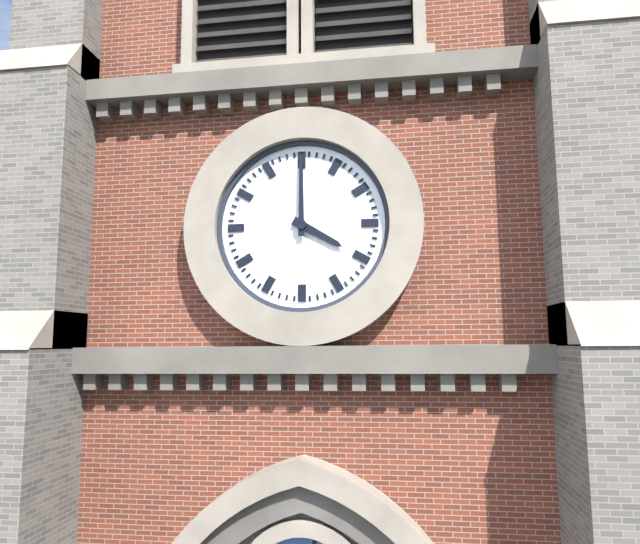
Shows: 4:00
